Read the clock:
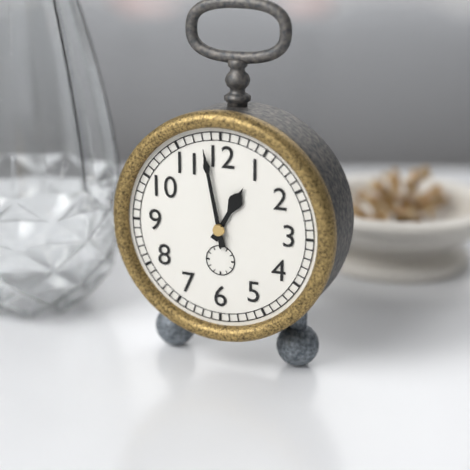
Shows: 12:58
